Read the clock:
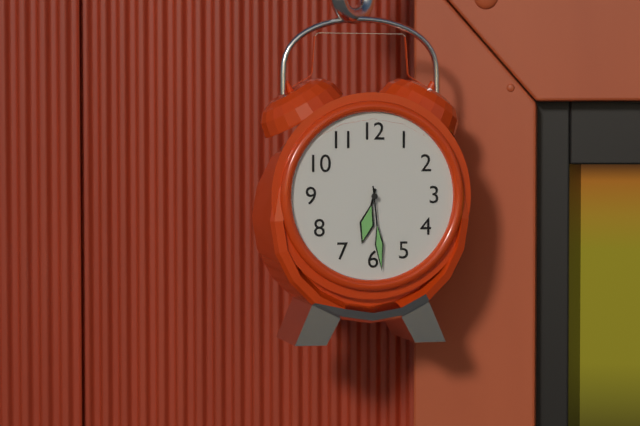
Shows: 6:29
